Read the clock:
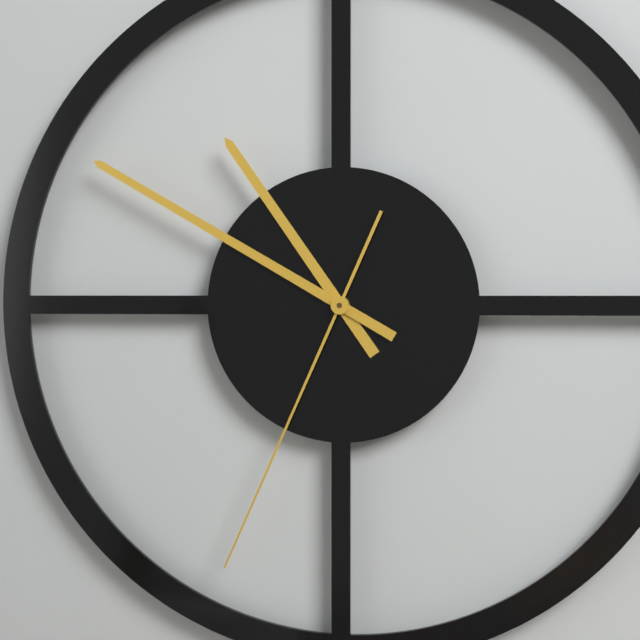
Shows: 10:50:34
